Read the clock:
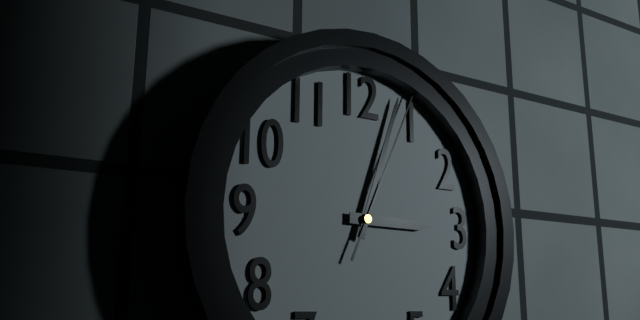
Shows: 3:03:04
